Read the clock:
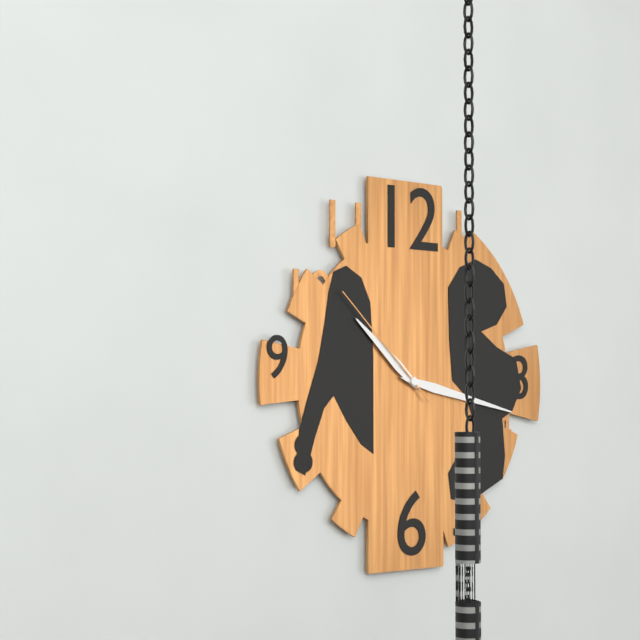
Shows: 10:17:52
